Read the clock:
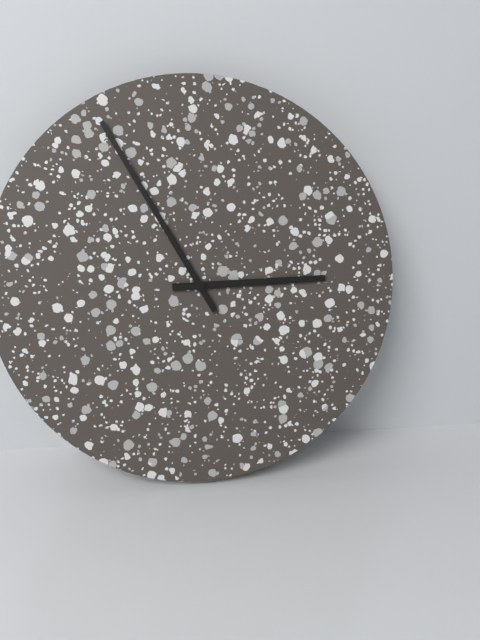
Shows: 2:55
